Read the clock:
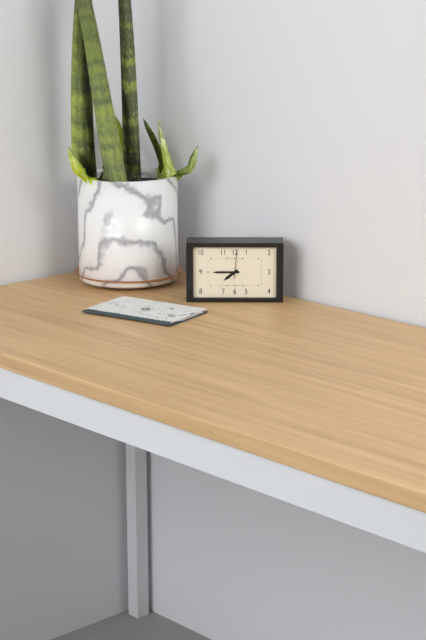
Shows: 7:45
